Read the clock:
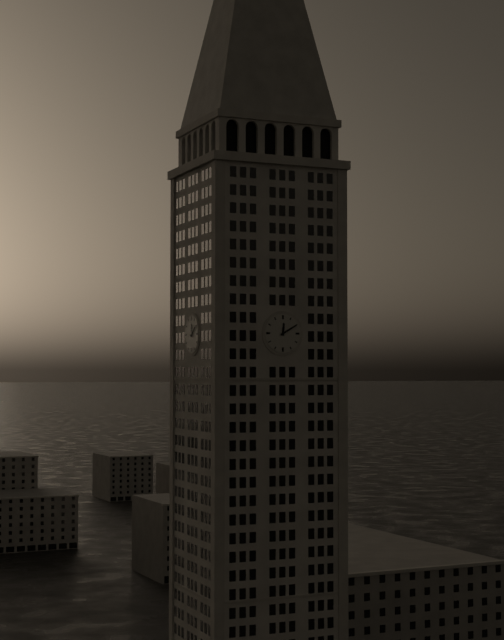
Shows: 12:10
